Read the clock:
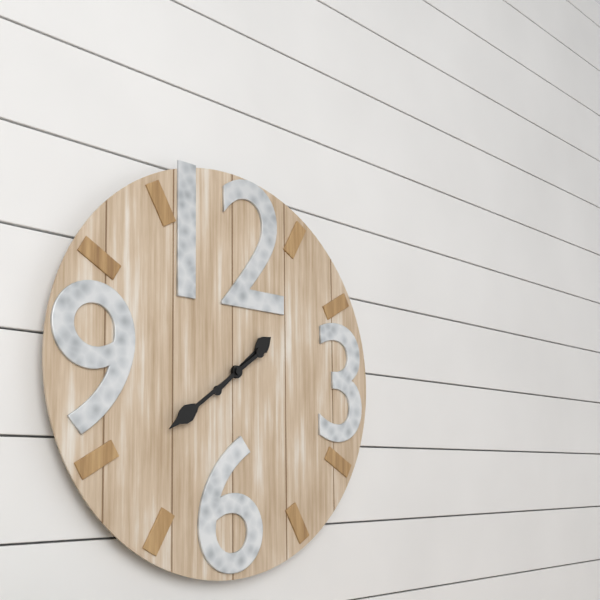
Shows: 1:39
